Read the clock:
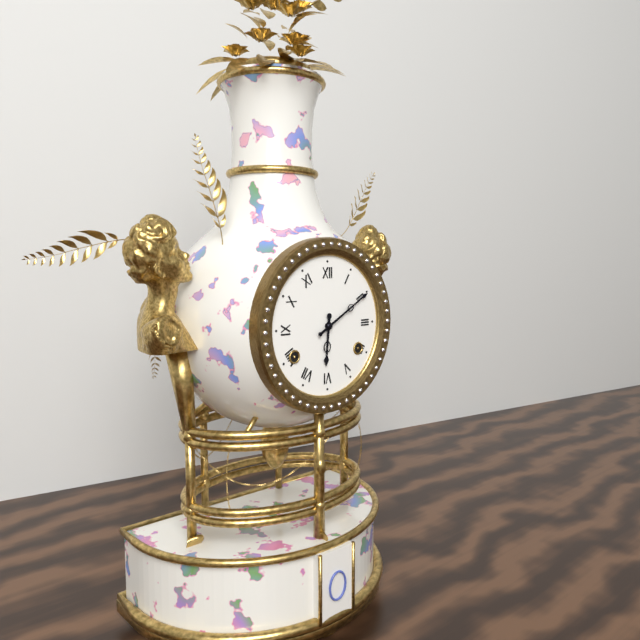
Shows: 6:10
